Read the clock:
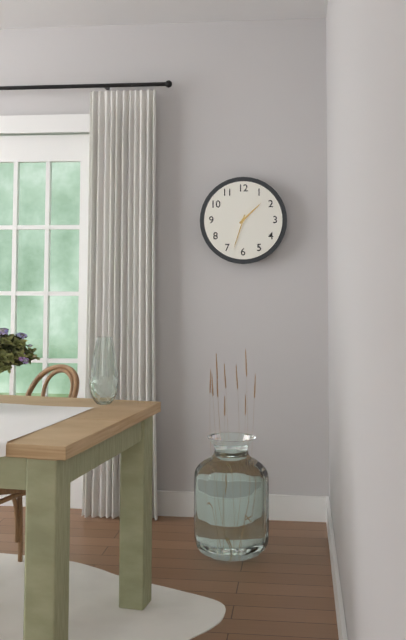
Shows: 1:33
